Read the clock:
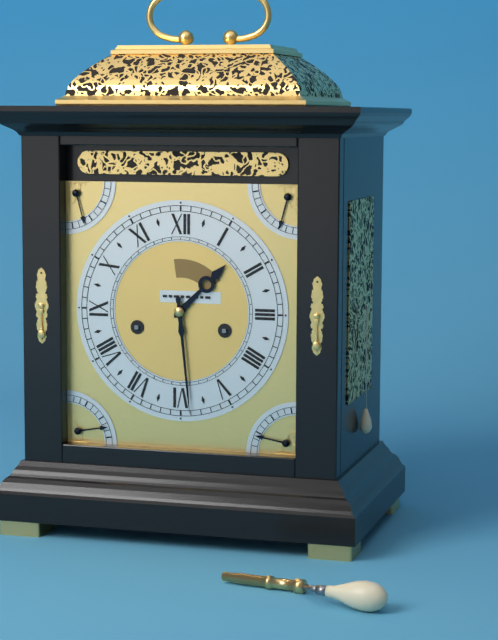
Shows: 1:29
